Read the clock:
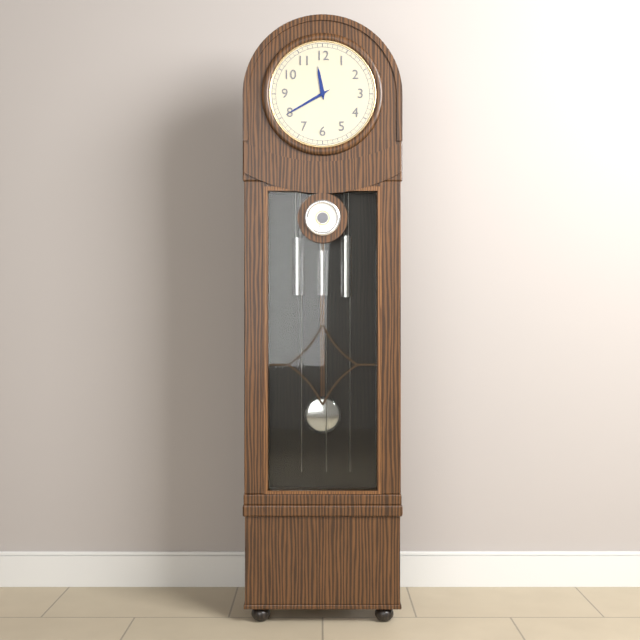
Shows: 11:40
